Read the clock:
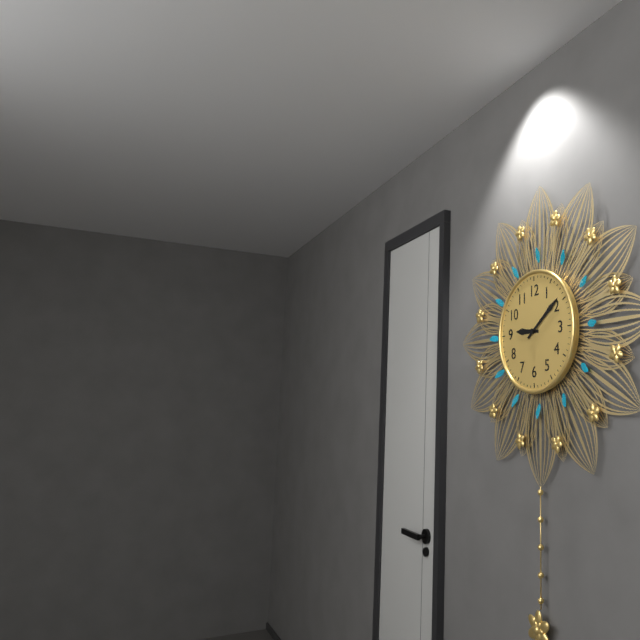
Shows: 9:09
